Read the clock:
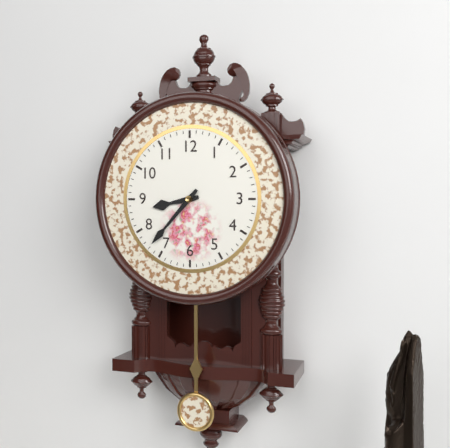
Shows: 8:37
